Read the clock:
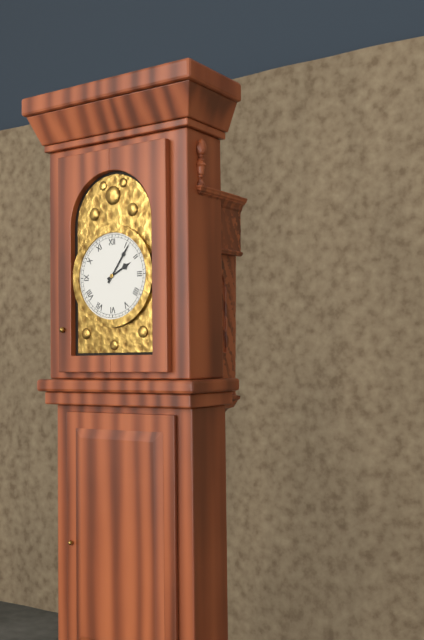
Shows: 2:06
